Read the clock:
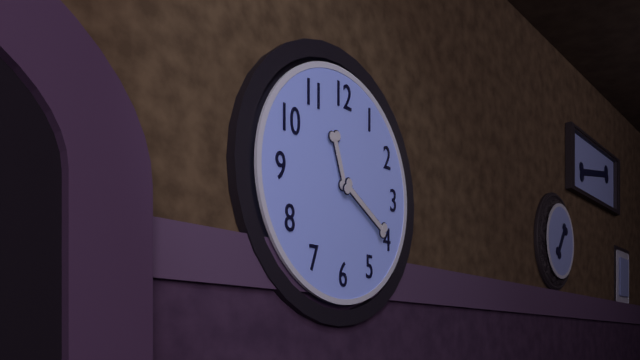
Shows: 11:20
